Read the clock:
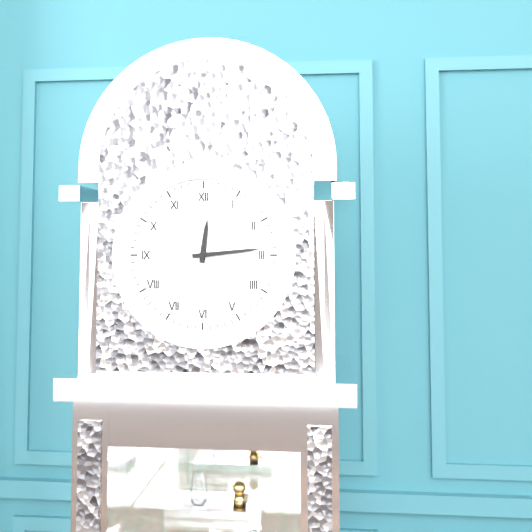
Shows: 12:14
